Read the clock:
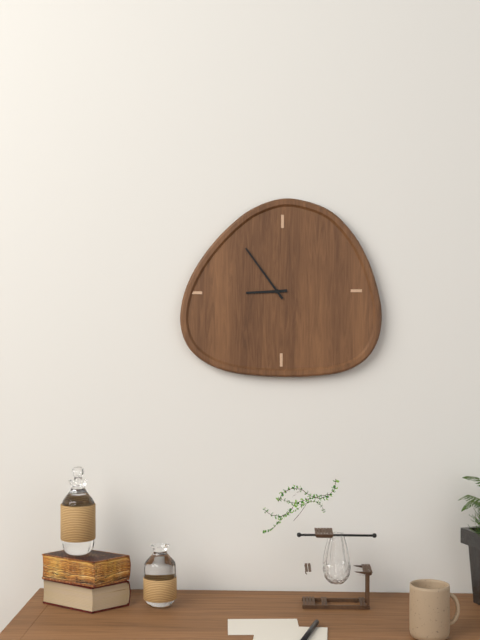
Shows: 8:54
